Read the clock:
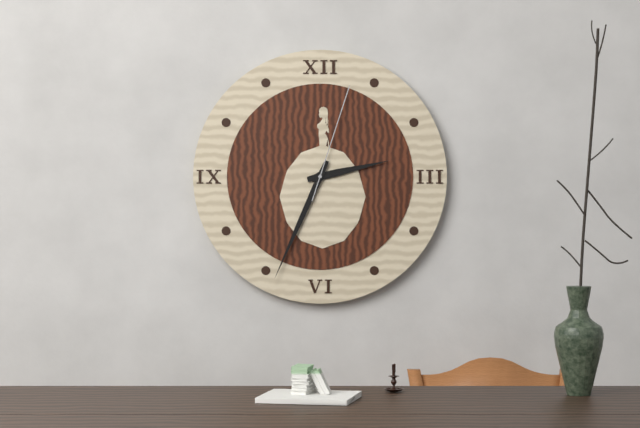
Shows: 2:34:03
